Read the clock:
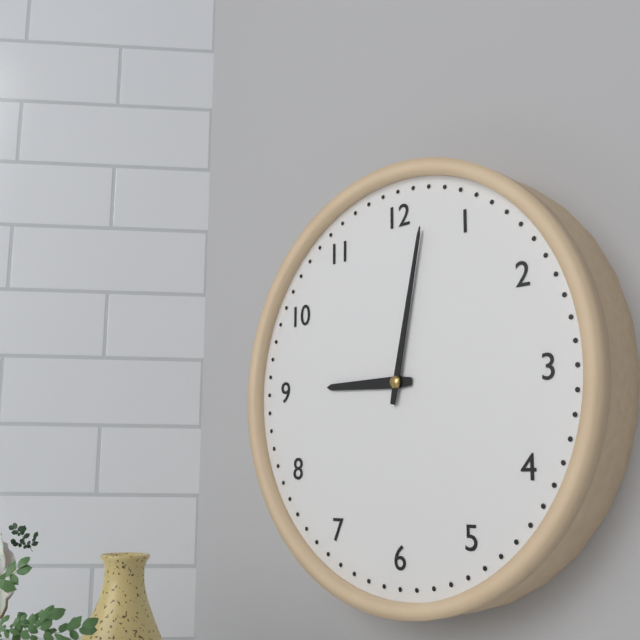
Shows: 9:02
